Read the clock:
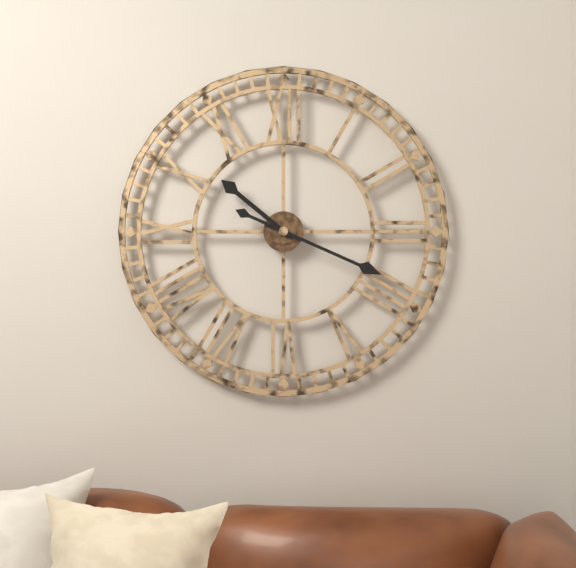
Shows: 10:19
